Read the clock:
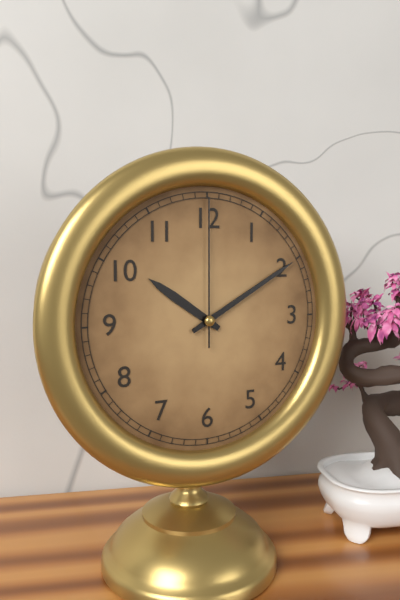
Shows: 10:10:00
